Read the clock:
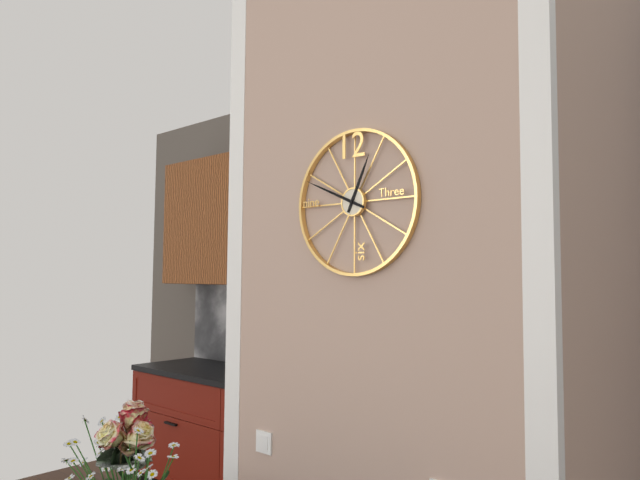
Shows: 12:49
